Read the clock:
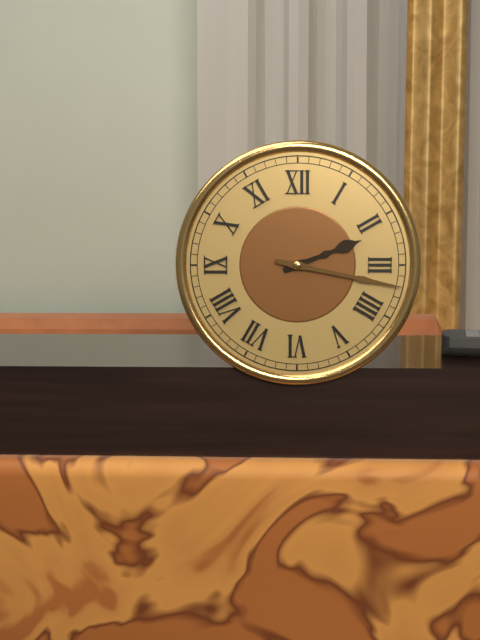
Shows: 2:17
